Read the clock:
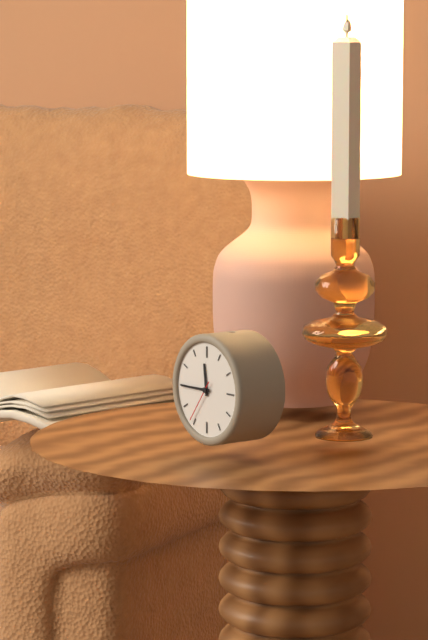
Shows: 11:45
